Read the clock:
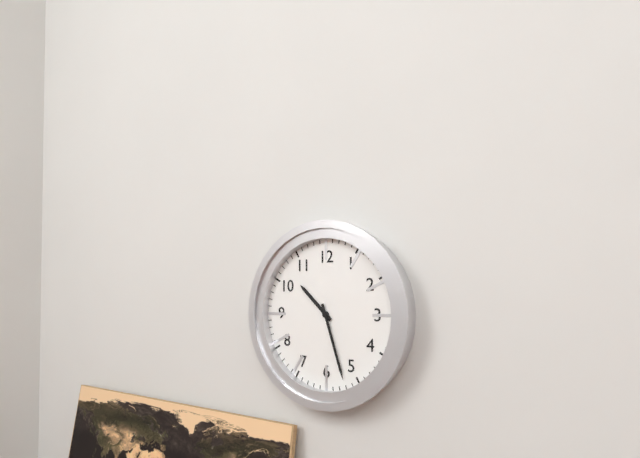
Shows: 10:27
